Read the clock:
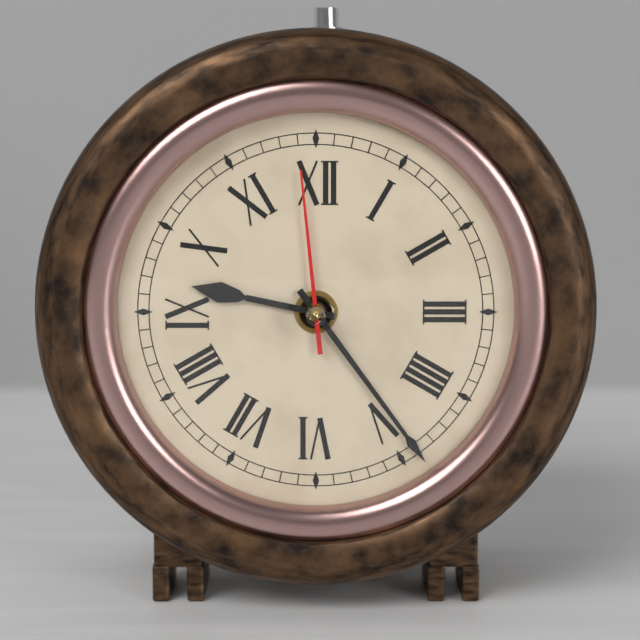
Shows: 9:24:59
